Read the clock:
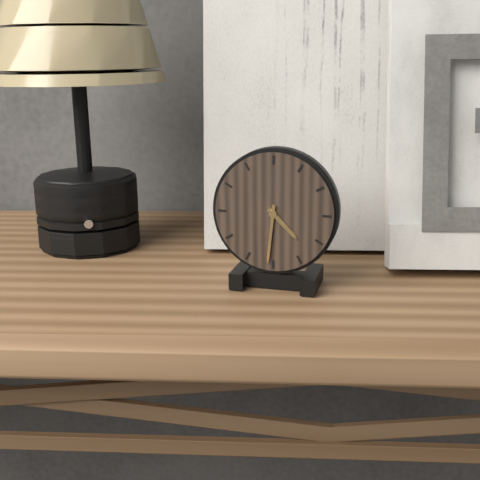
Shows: 4:31
